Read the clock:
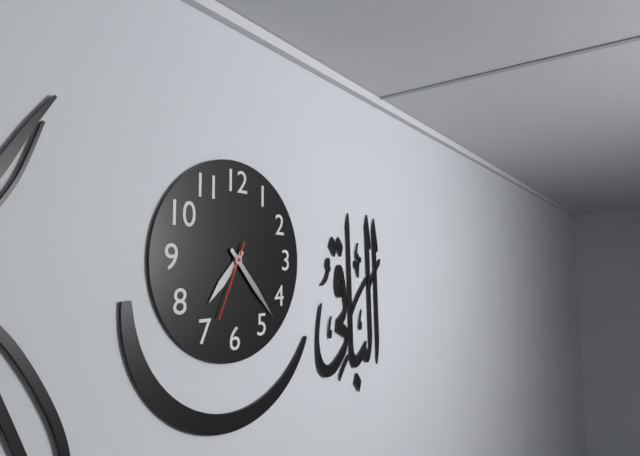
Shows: 7:23:34
